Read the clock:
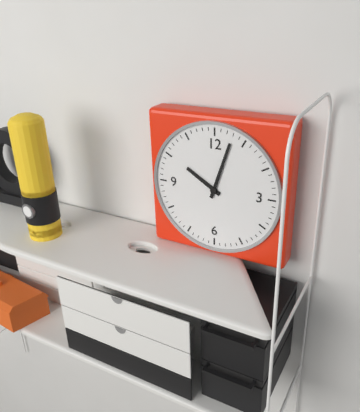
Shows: 10:03
